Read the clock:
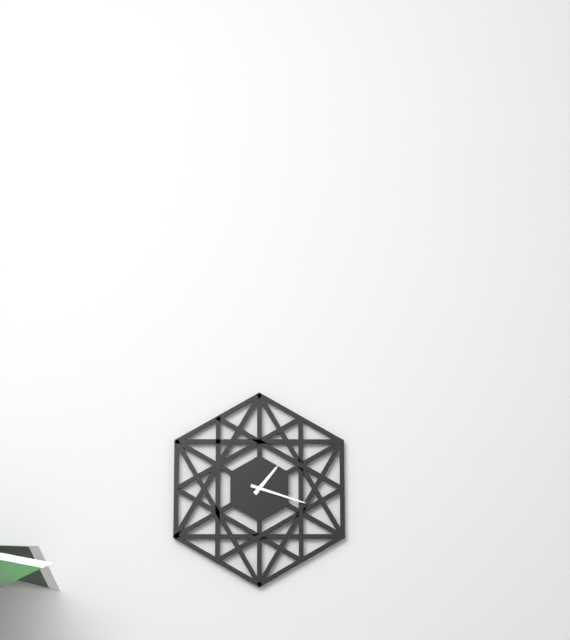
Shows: 1:18
